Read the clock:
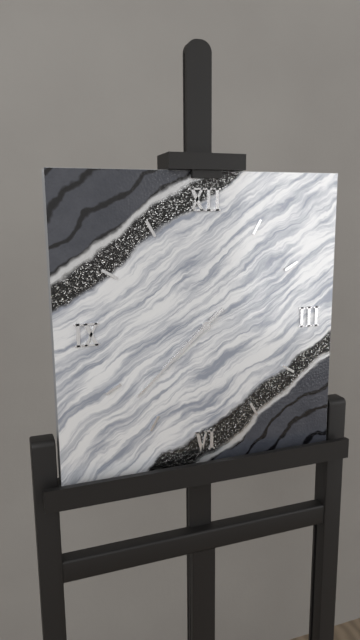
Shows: 7:38
